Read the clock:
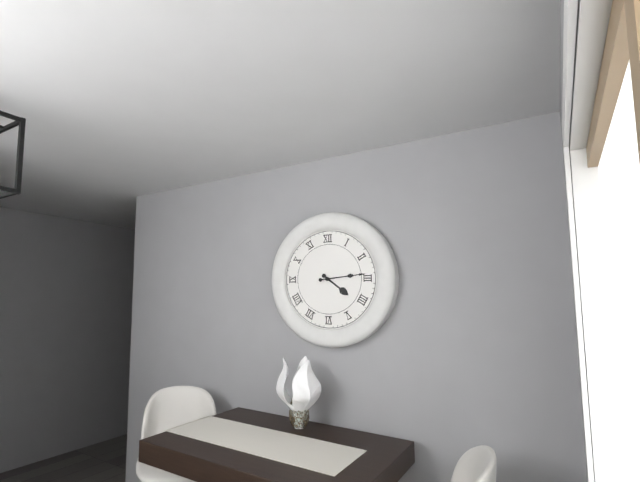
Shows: 4:14
